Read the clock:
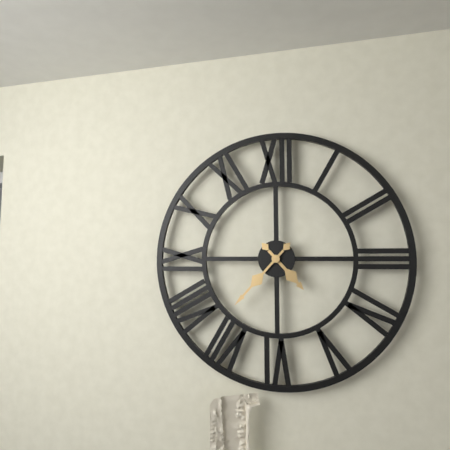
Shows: 4:37
